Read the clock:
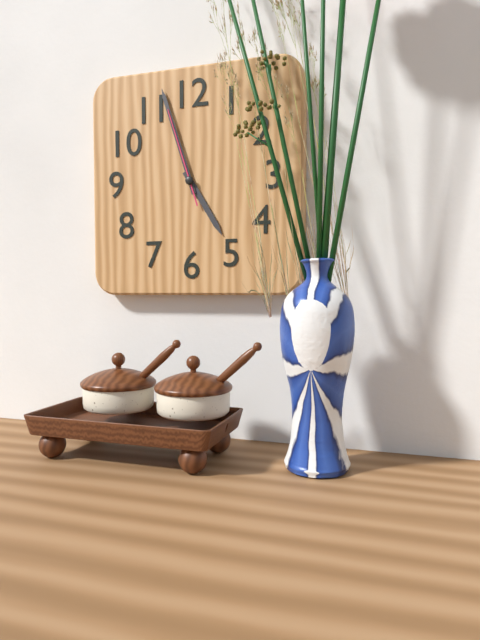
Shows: 4:57:57
